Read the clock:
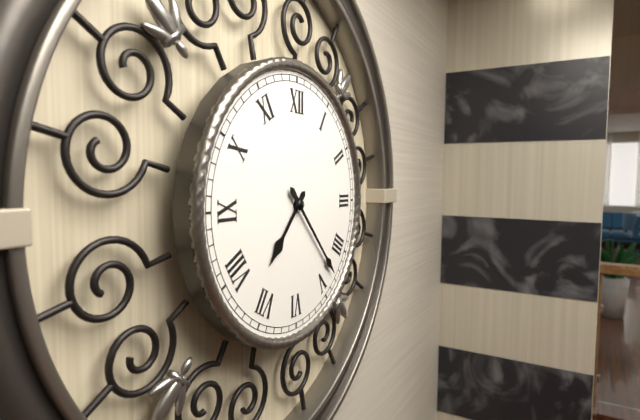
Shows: 7:23
